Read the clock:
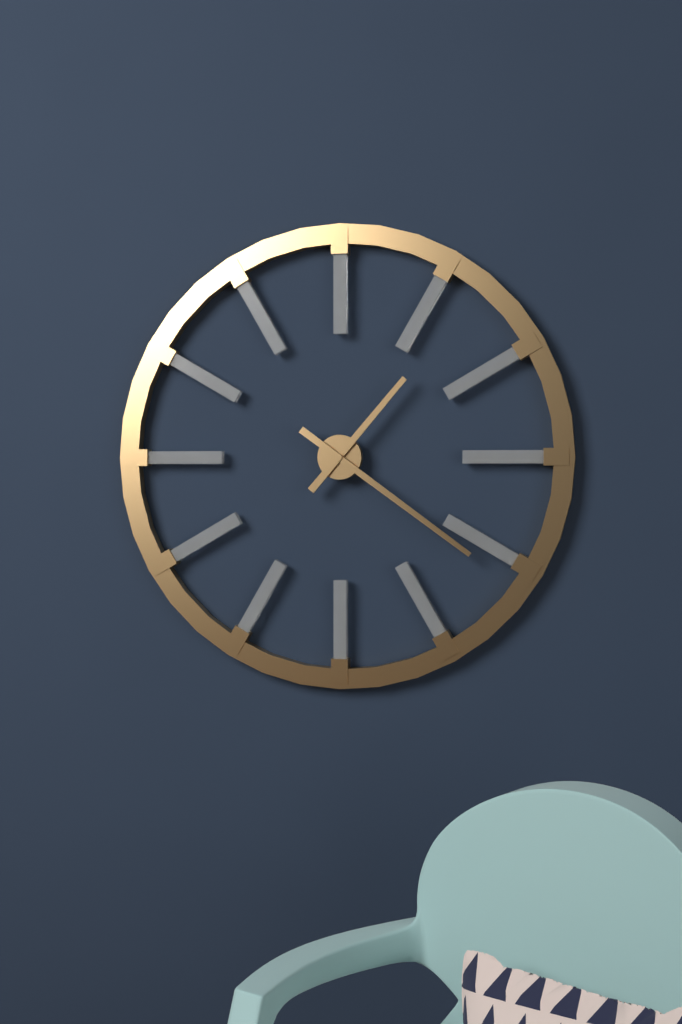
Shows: 1:21
